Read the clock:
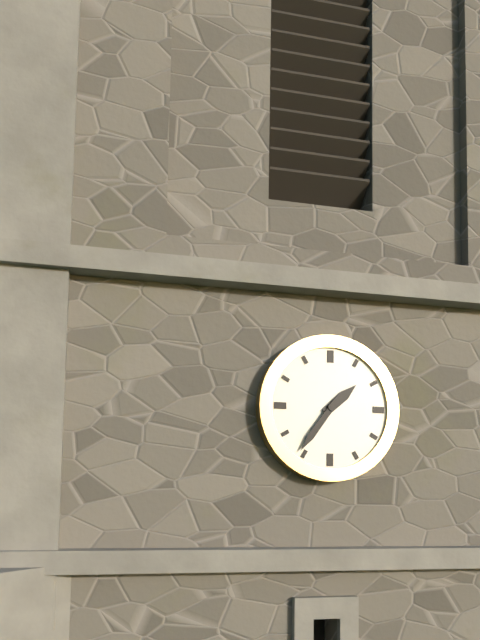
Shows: 1:36
